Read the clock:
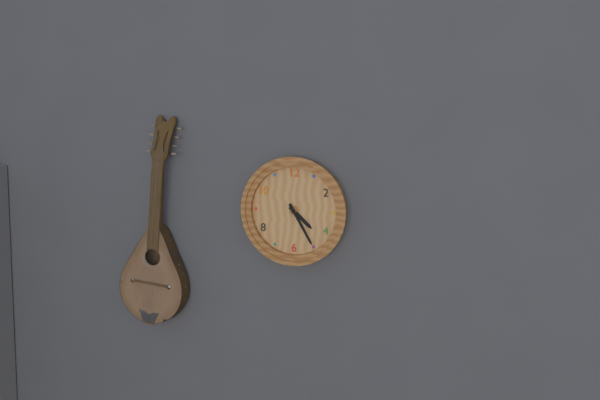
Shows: 4:25
